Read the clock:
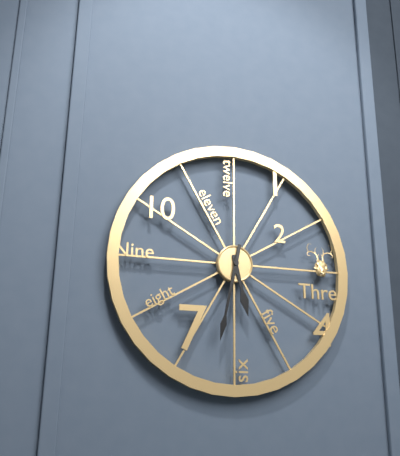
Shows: 5:32
